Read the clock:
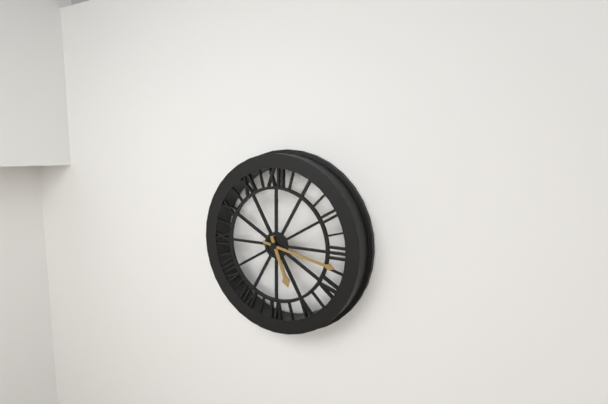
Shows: 5:17
